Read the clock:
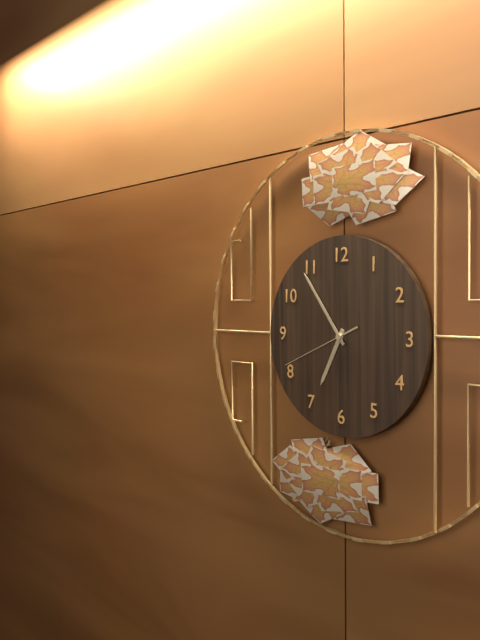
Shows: 6:54:41
